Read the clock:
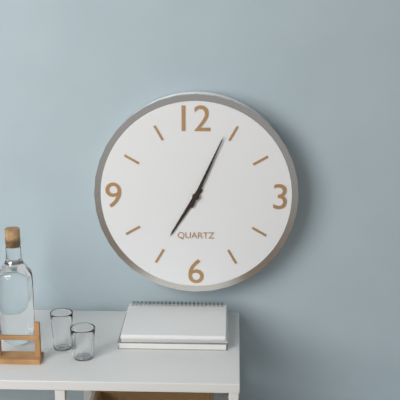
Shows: 7:04
